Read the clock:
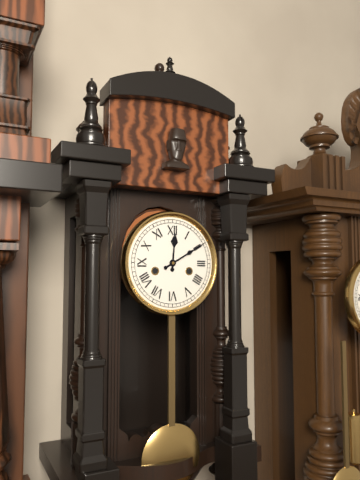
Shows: 12:10
